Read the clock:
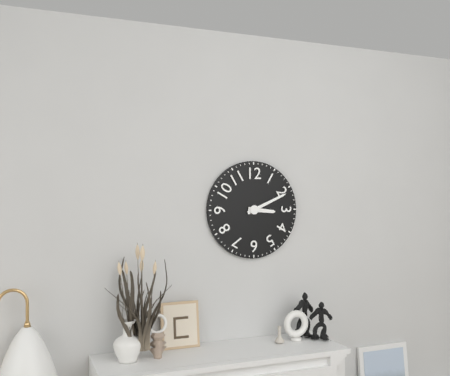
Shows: 3:11
